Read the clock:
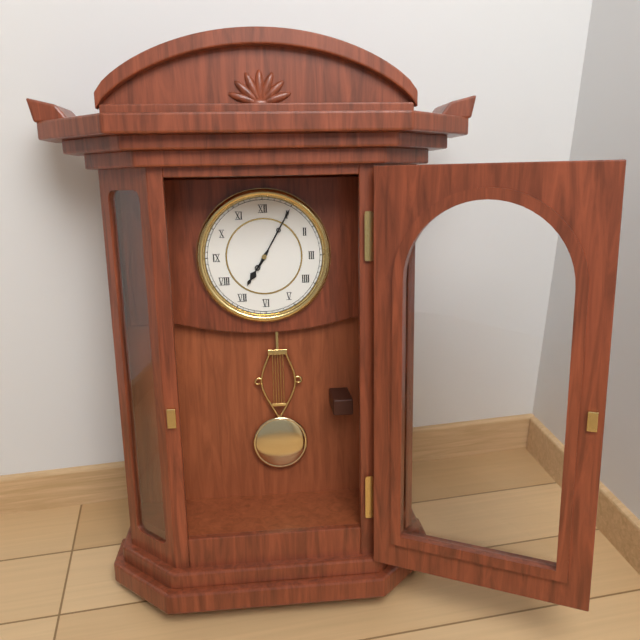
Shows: 7:05
